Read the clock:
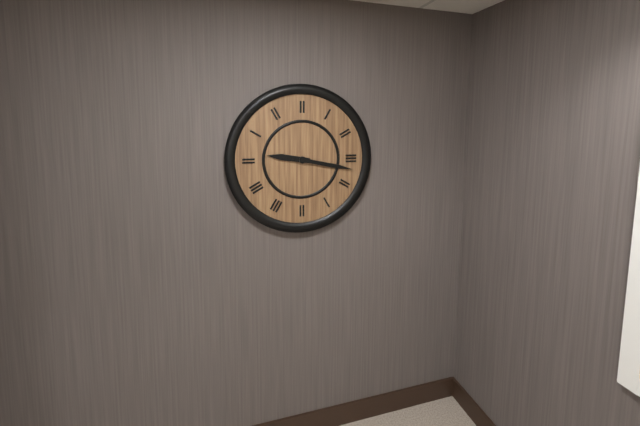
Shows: 9:17
